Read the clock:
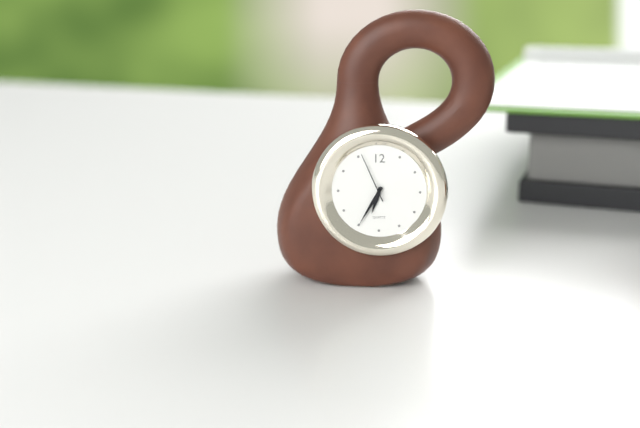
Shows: 6:35:56
